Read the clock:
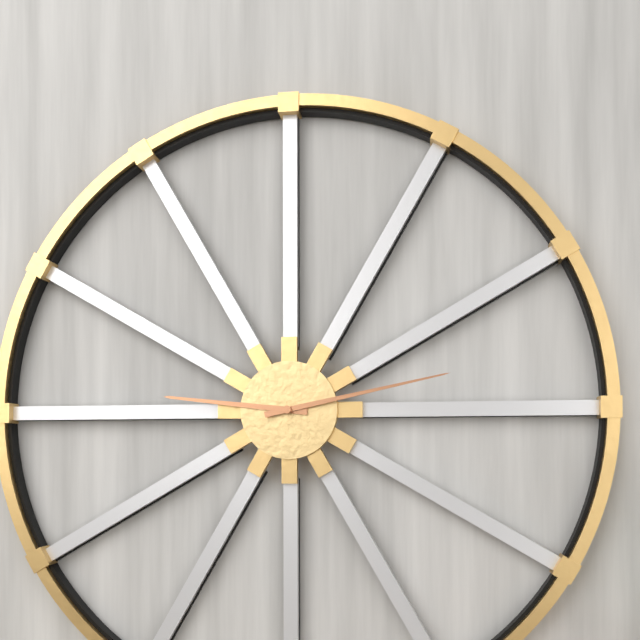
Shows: 9:13
